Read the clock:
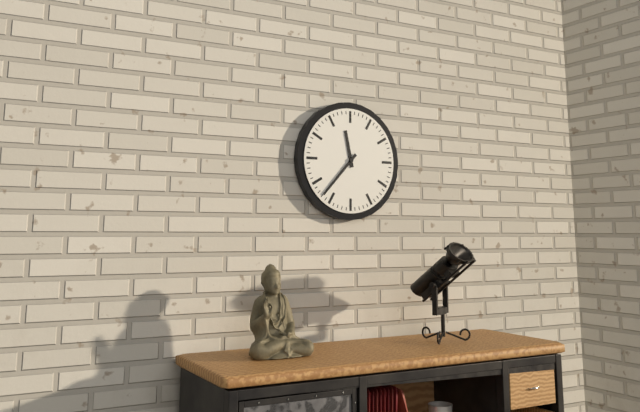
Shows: 11:37
